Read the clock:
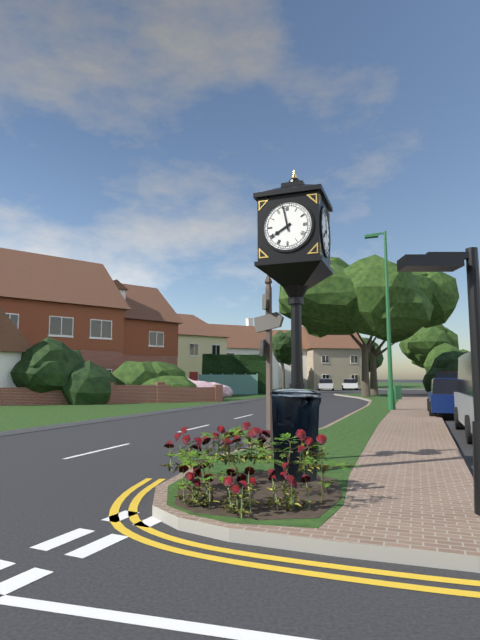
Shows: 7:58
